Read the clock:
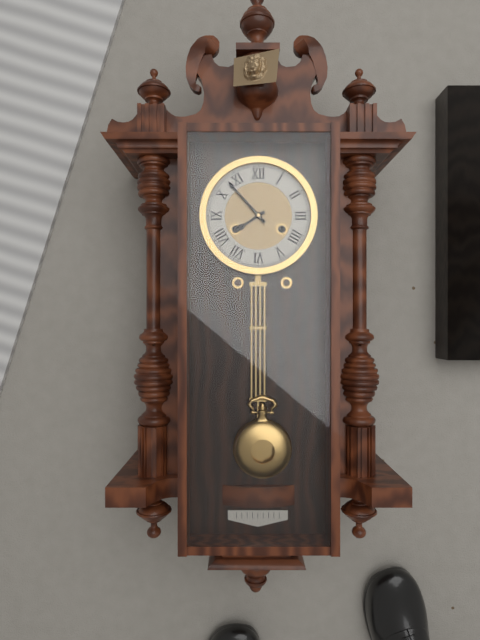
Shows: 7:53
